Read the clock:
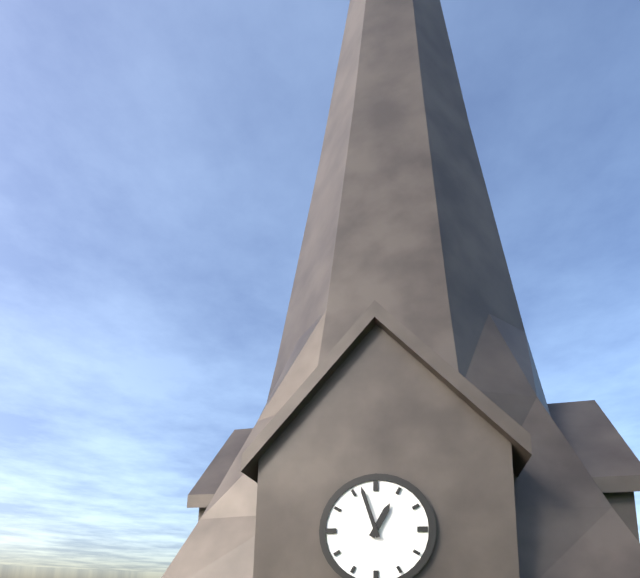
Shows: 12:57
